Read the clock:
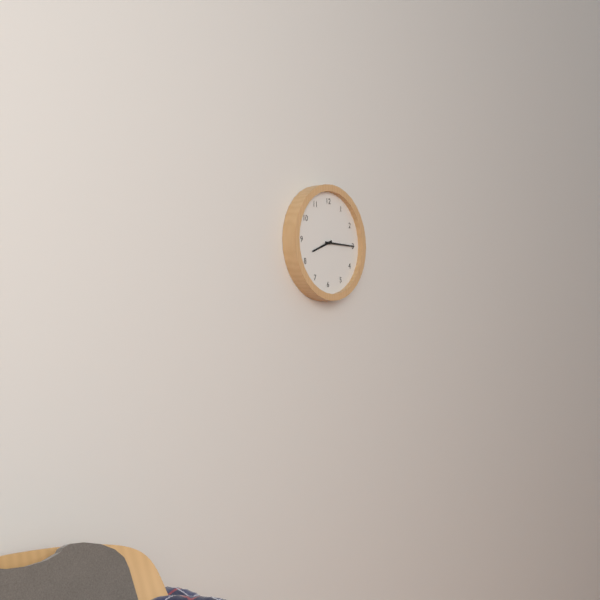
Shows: 8:15
